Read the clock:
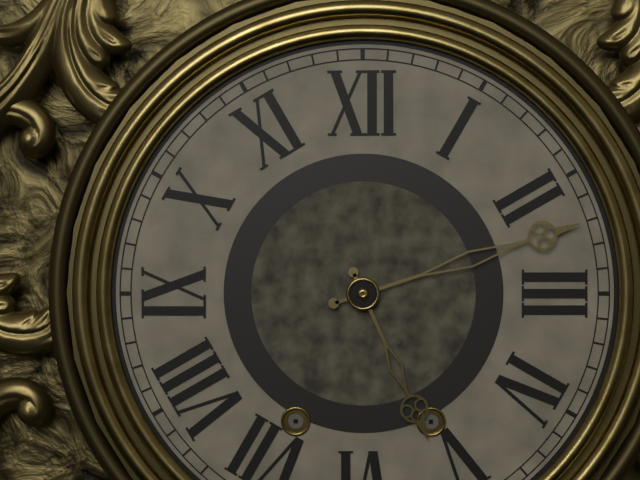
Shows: 5:12
